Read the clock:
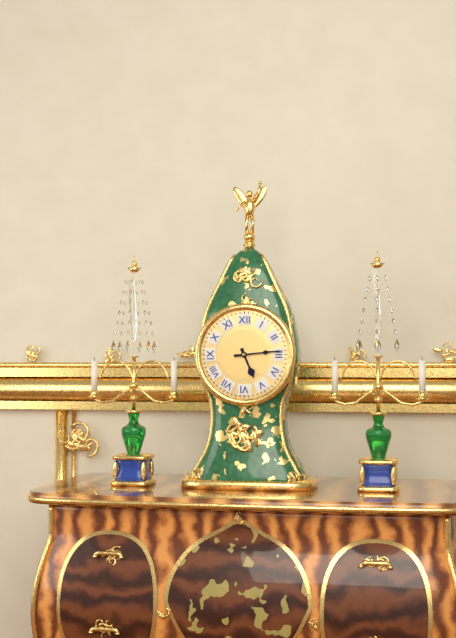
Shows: 5:14
